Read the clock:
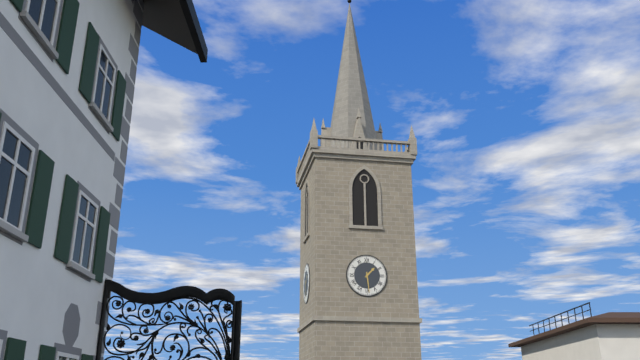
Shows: 1:29
